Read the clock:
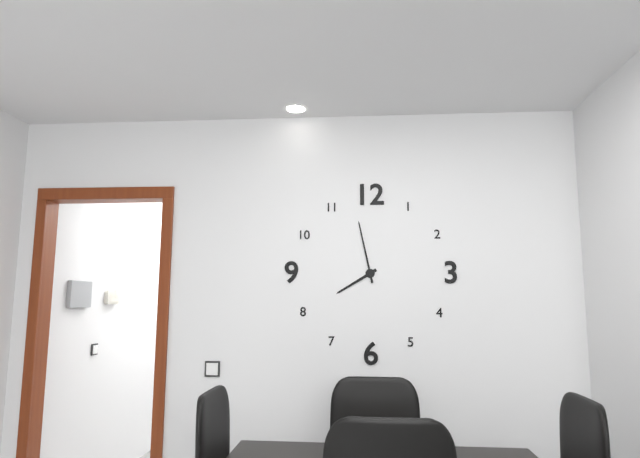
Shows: 7:58
